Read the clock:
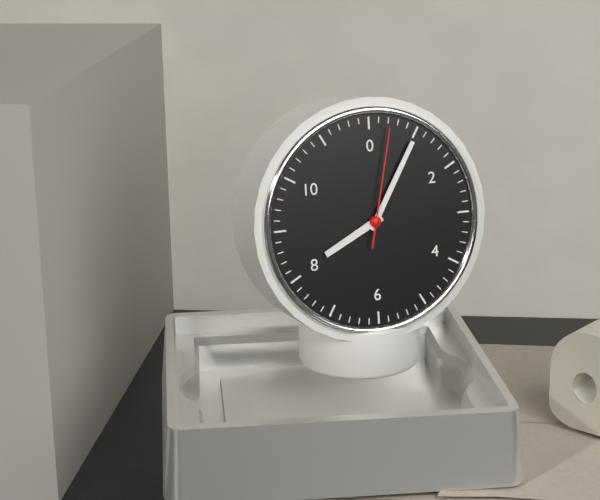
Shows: 8:05:02
